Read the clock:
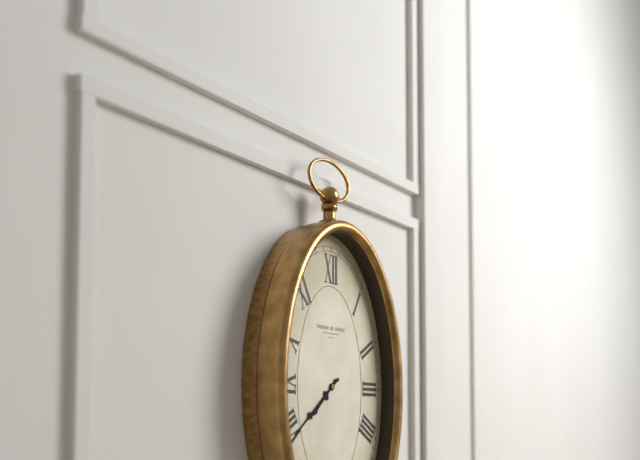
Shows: 7:39
